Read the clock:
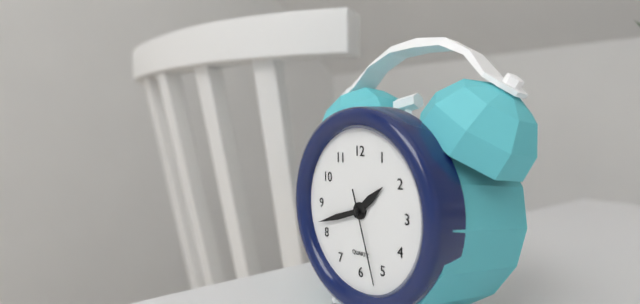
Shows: 1:42:27
